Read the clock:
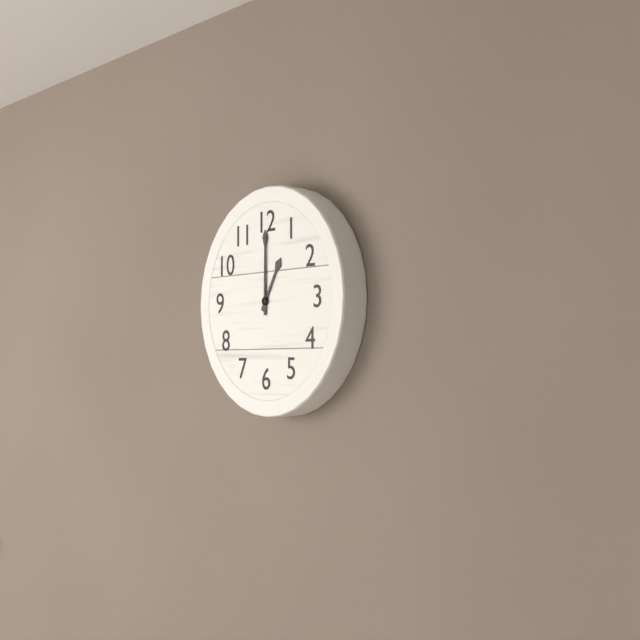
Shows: 1:00
